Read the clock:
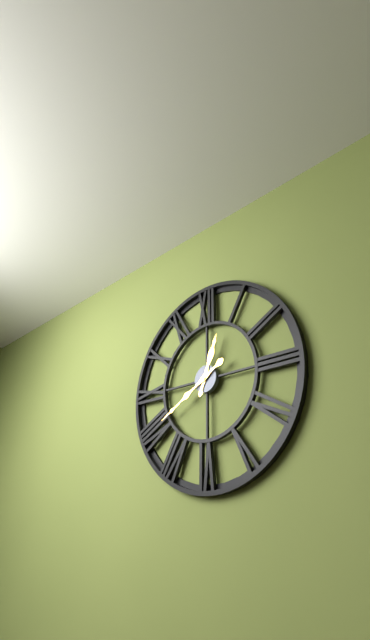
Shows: 12:40
